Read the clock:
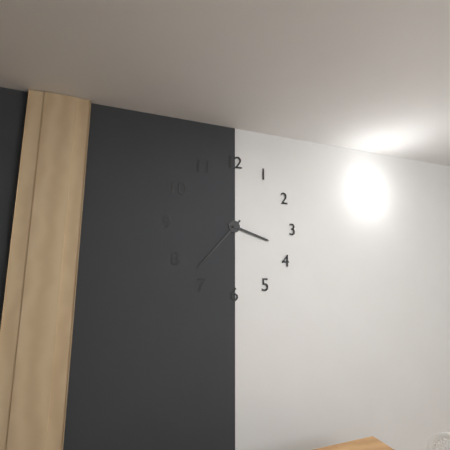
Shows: 3:37
